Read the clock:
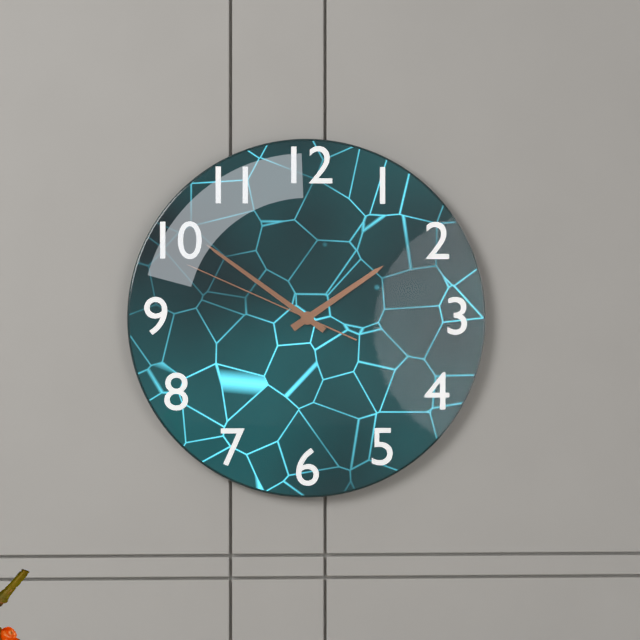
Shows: 1:51:49
